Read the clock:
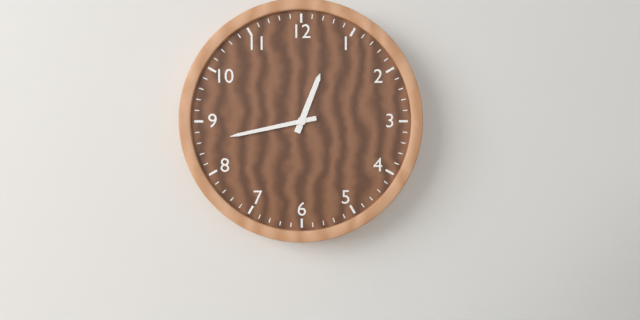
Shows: 12:43
